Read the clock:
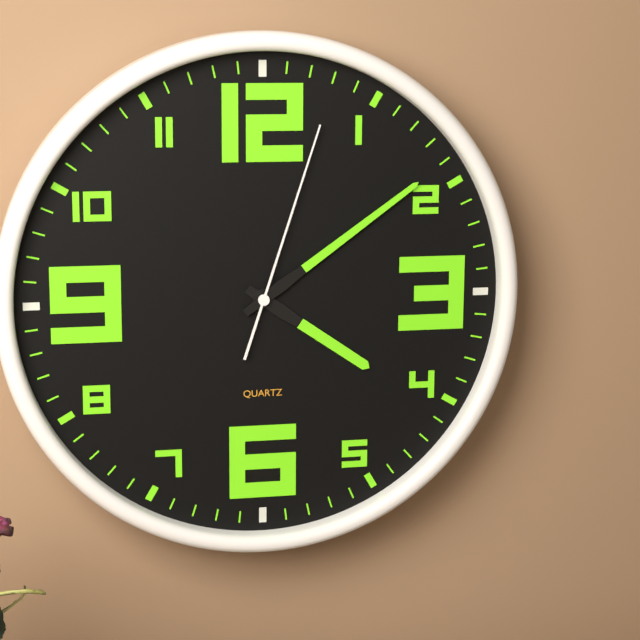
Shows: 4:09:03
